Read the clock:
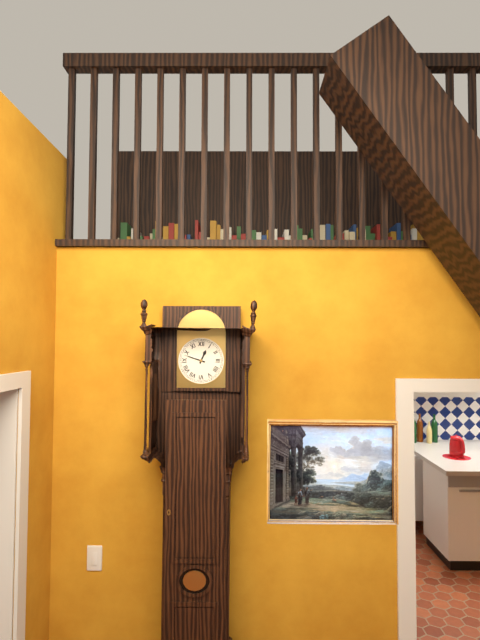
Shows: 12:48
